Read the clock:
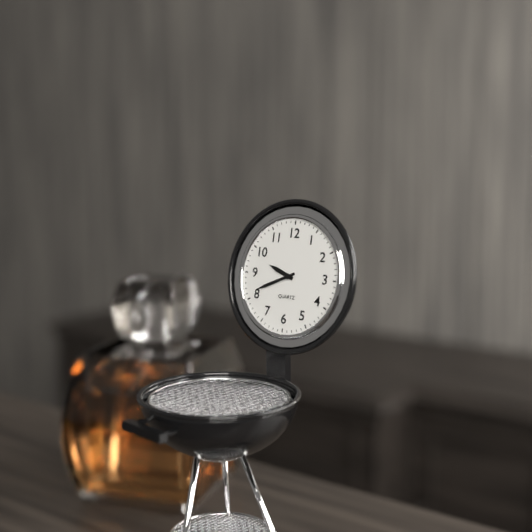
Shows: 9:41
